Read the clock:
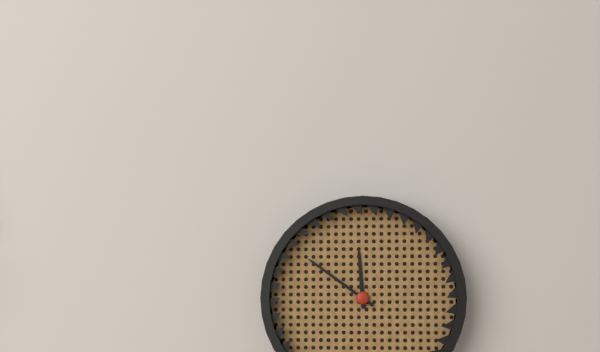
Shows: 11:51
